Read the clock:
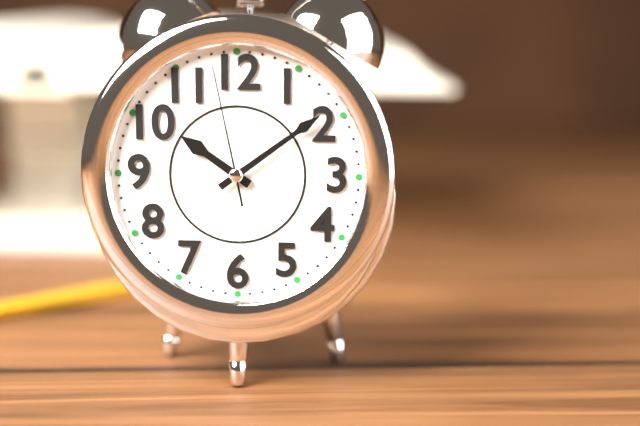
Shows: 10:09:58
